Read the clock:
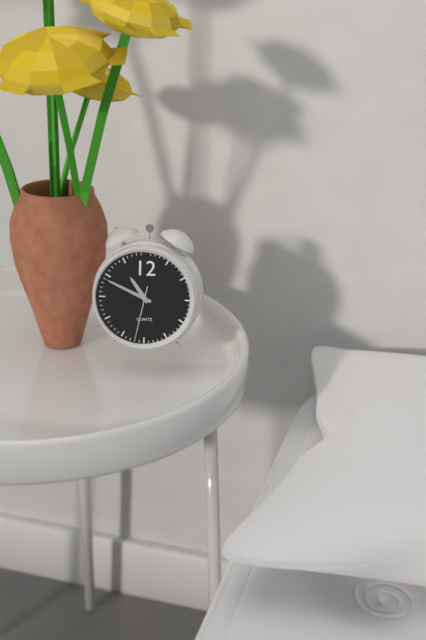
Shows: 10:49:32
